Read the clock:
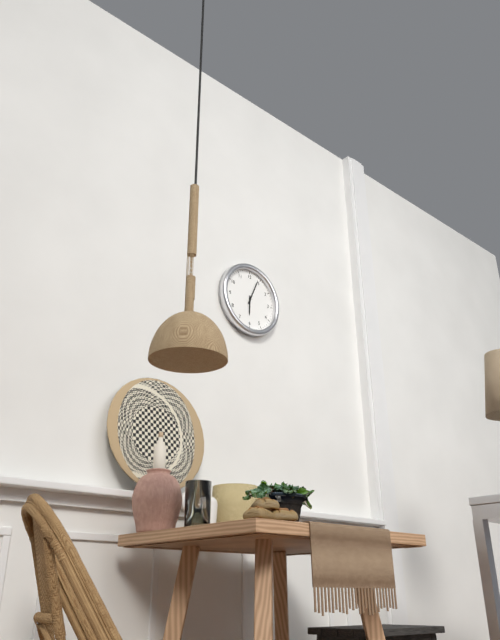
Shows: 6:04
